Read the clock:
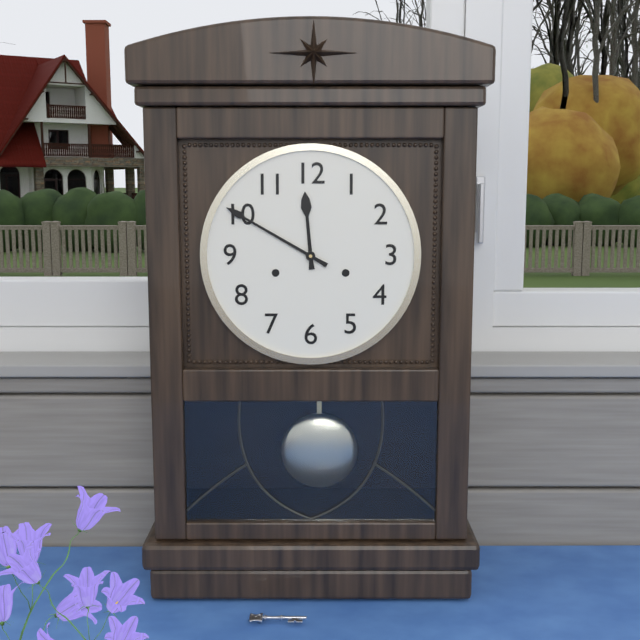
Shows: 11:50
